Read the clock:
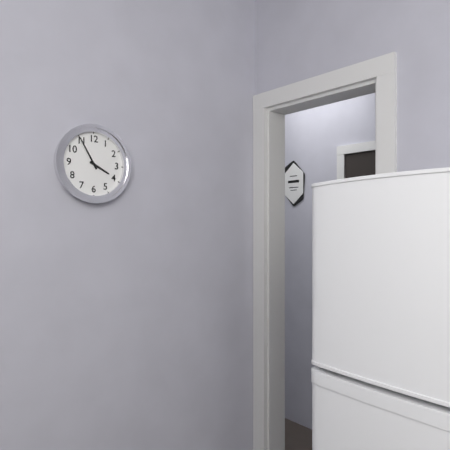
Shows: 3:55
